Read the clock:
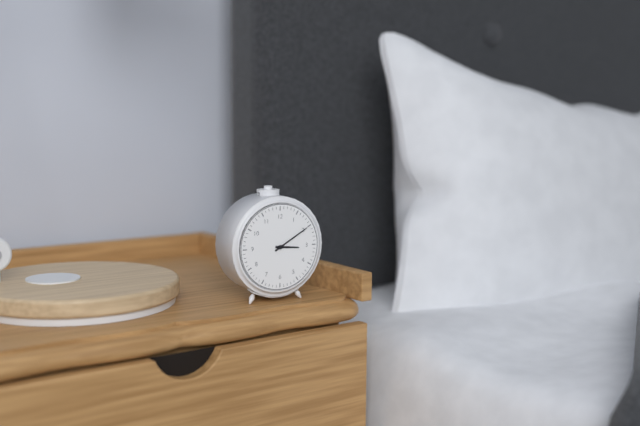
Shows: 3:10
